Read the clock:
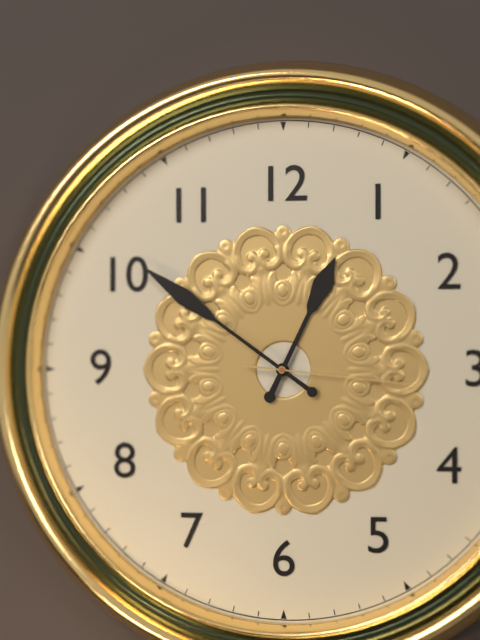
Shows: 12:51:16
